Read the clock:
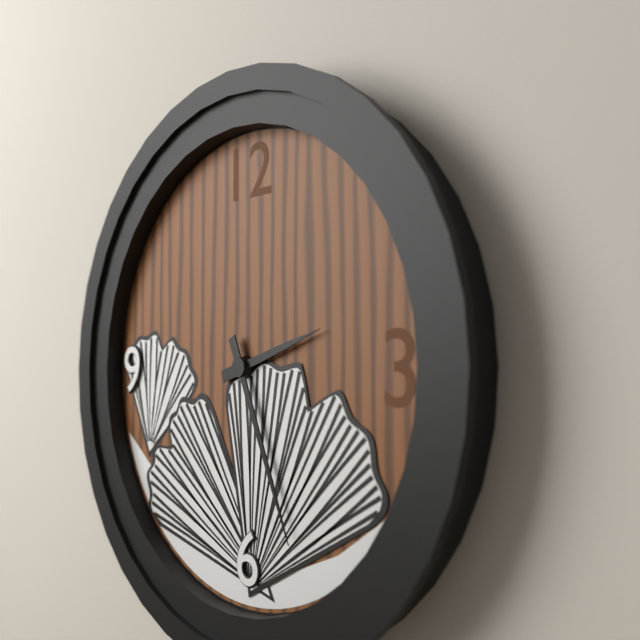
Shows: 2:26
